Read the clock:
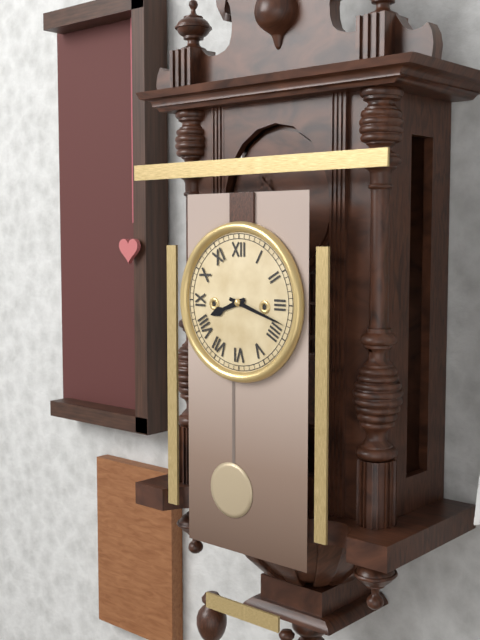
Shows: 8:18
